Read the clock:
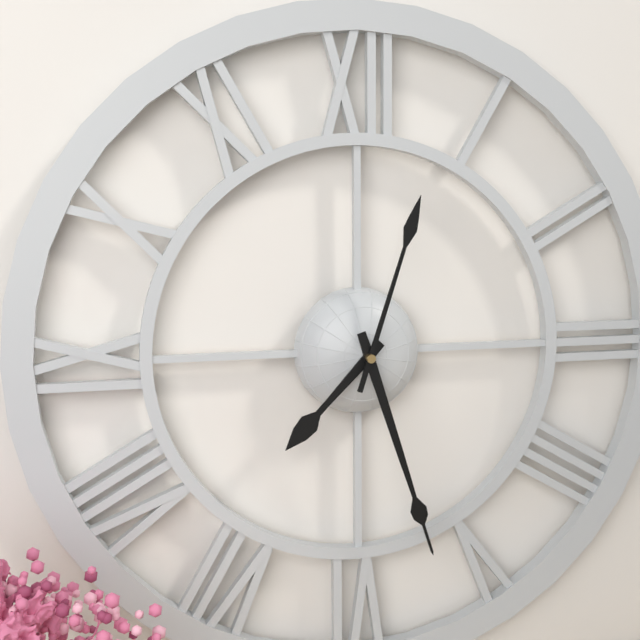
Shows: 7:27:03
